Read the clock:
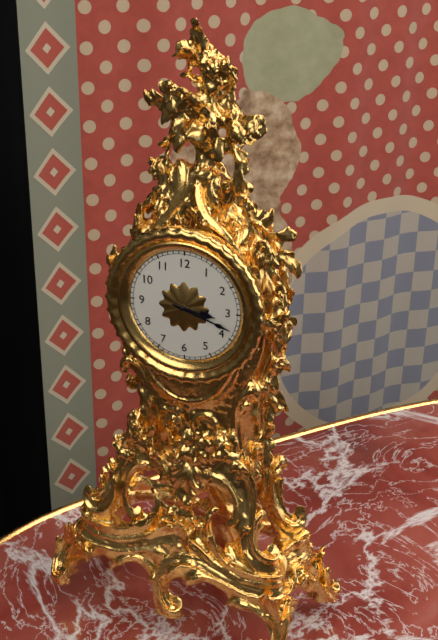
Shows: 3:18
